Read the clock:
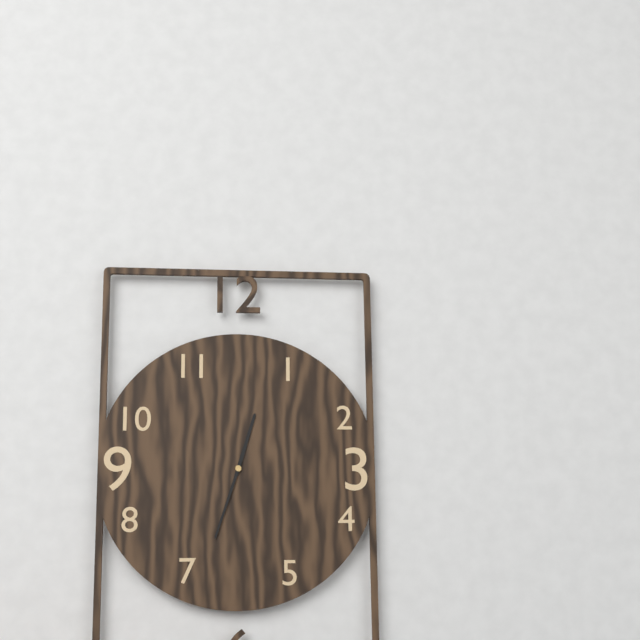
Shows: 12:33
